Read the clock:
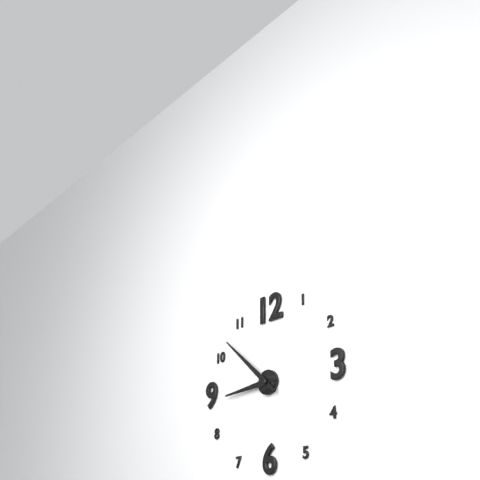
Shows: 8:52
